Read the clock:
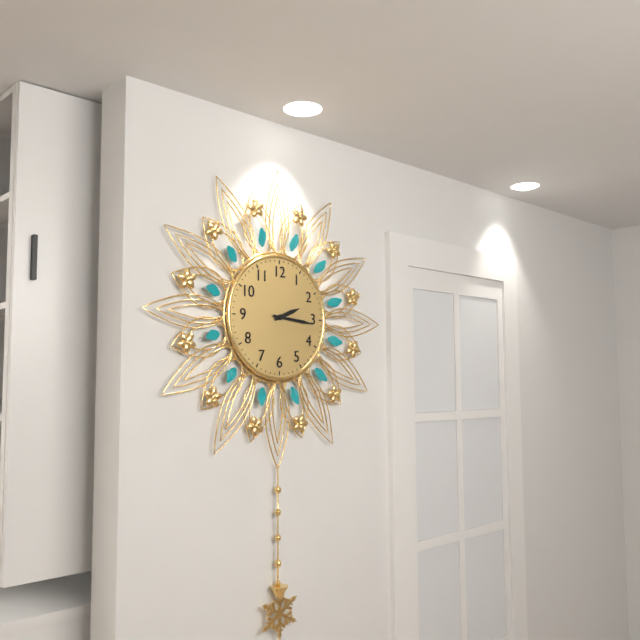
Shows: 2:16
